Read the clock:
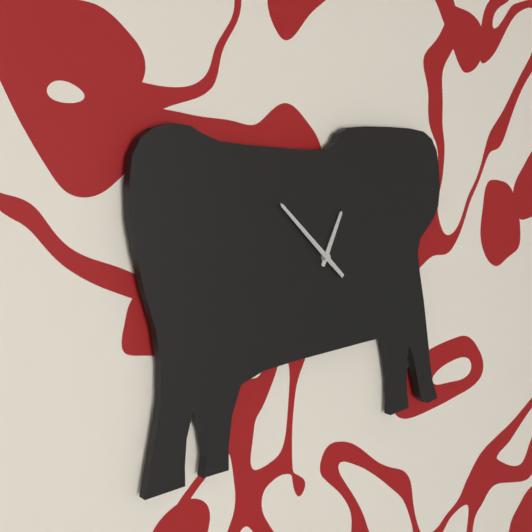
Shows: 12:52
